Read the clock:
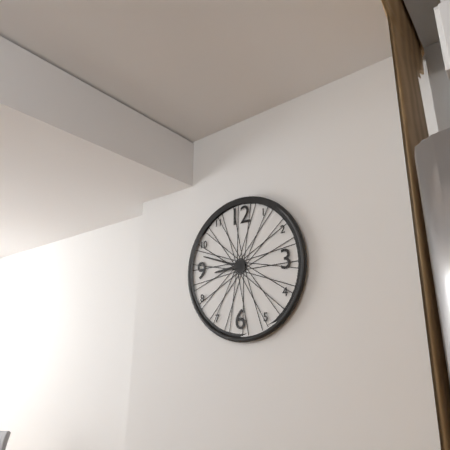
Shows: 8:48
